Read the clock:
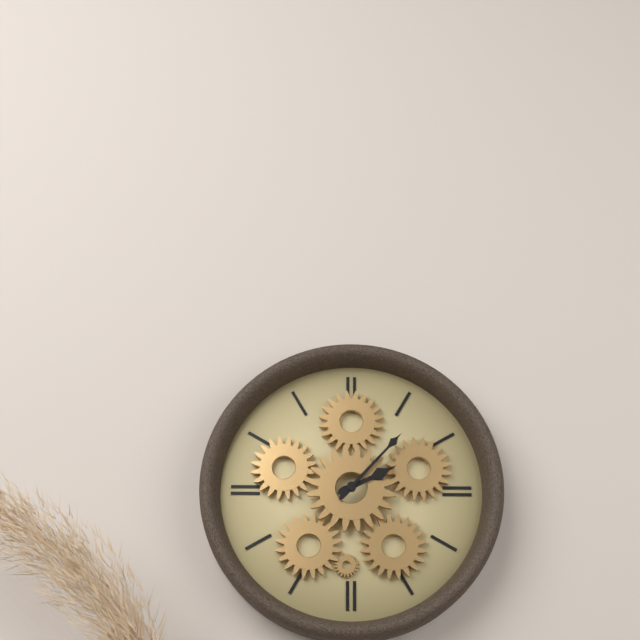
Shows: 2:07
